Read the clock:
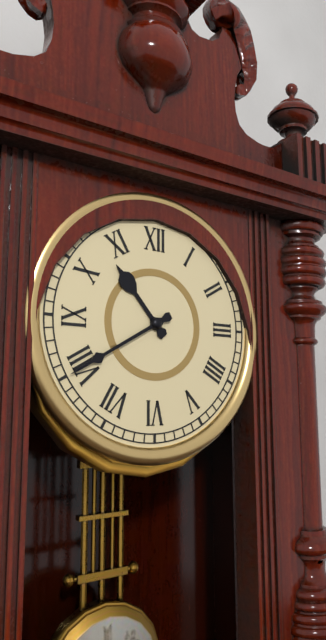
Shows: 10:40
